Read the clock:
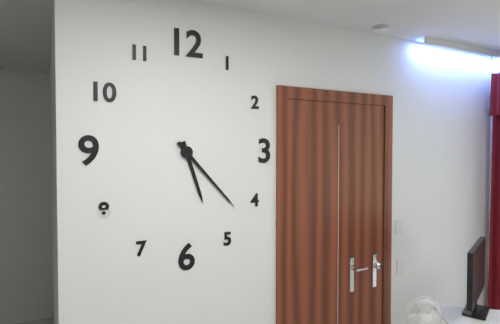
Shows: 5:23
